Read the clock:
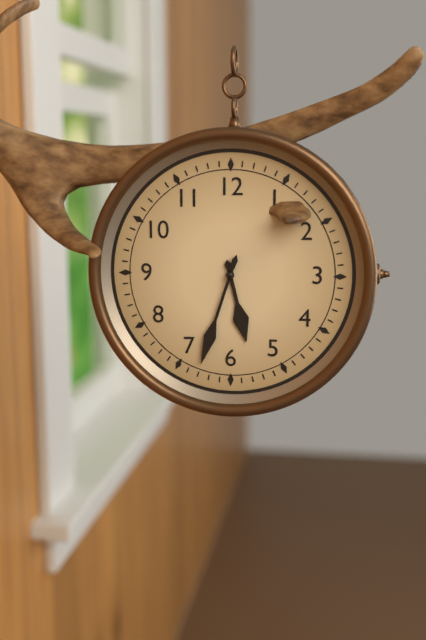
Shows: 5:33
